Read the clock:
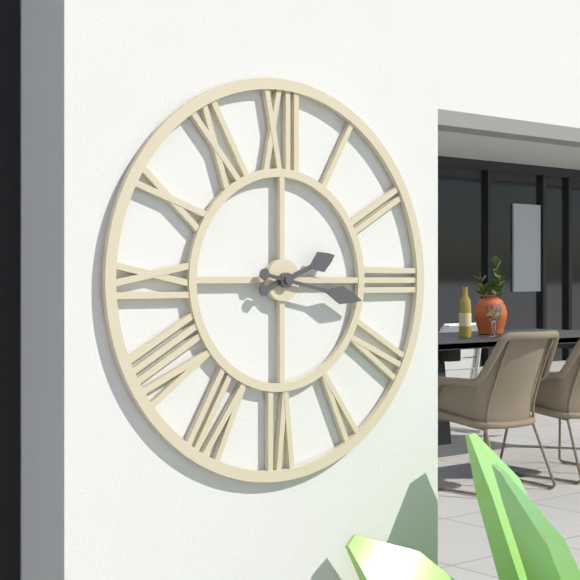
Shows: 2:17
